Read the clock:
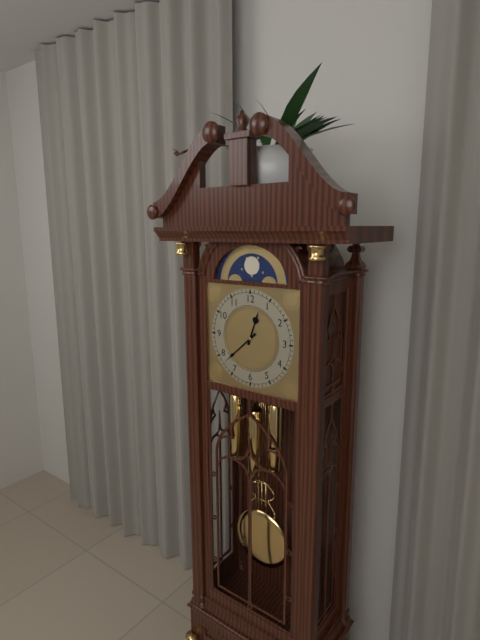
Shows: 12:38
